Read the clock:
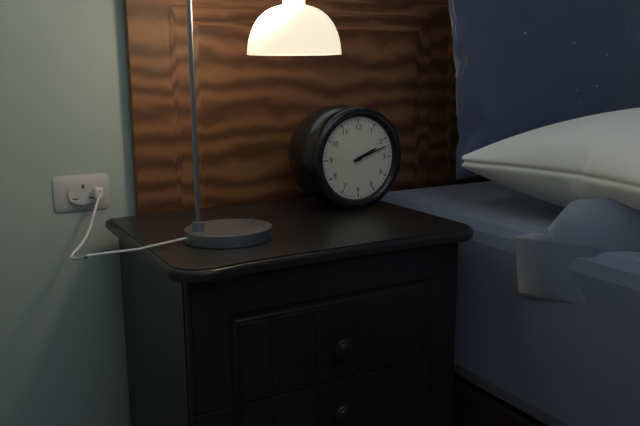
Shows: 2:12
